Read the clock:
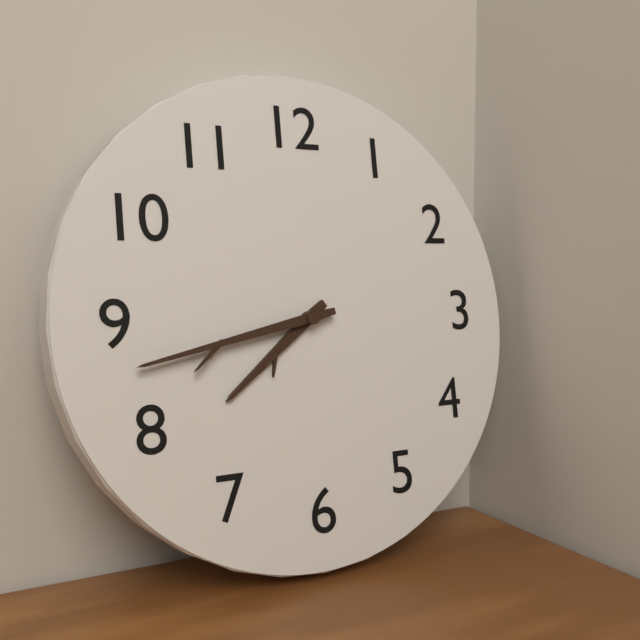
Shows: 7:43
